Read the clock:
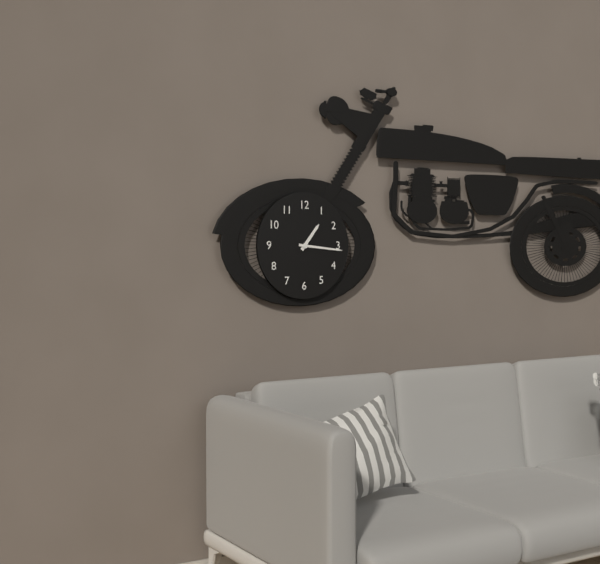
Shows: 1:16
